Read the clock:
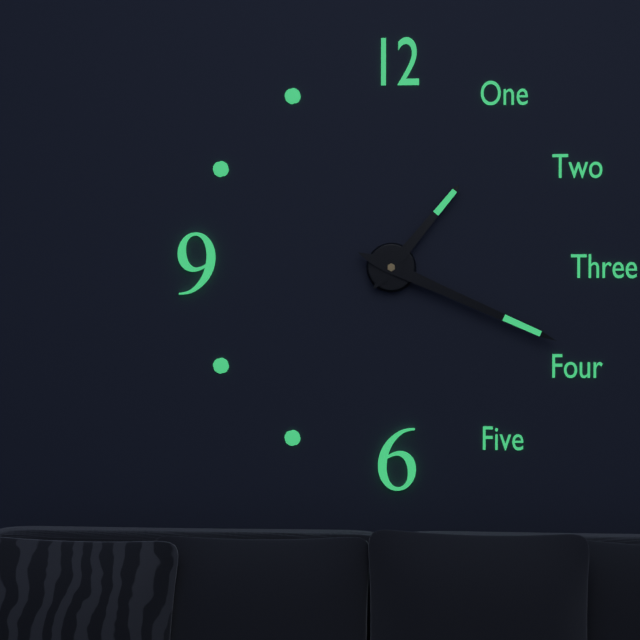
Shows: 1:19
